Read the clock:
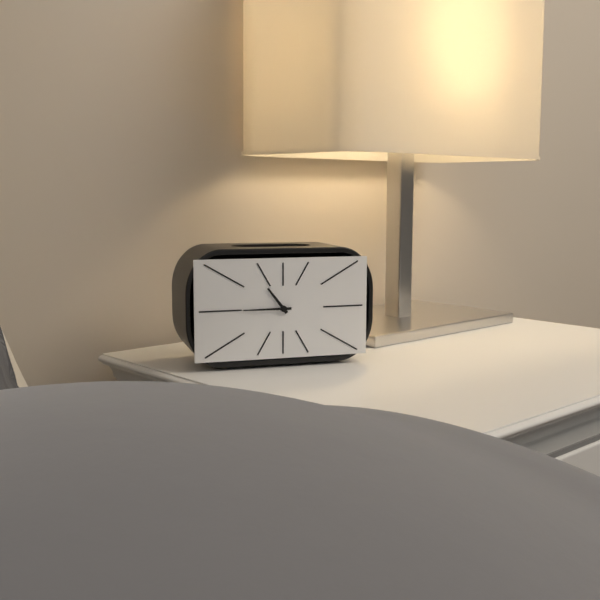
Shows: 10:45
